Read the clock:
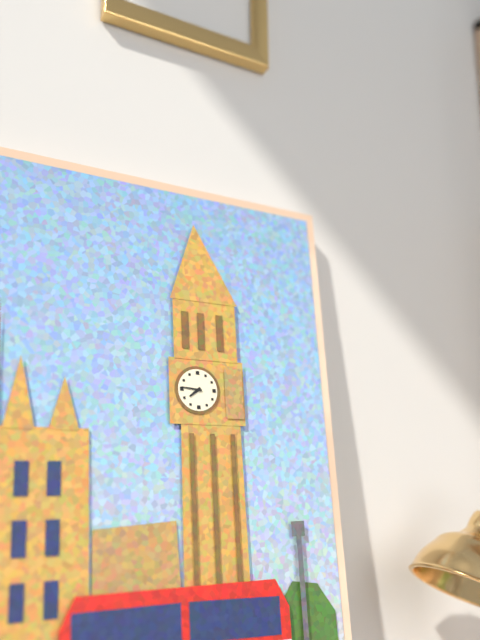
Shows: 7:46
